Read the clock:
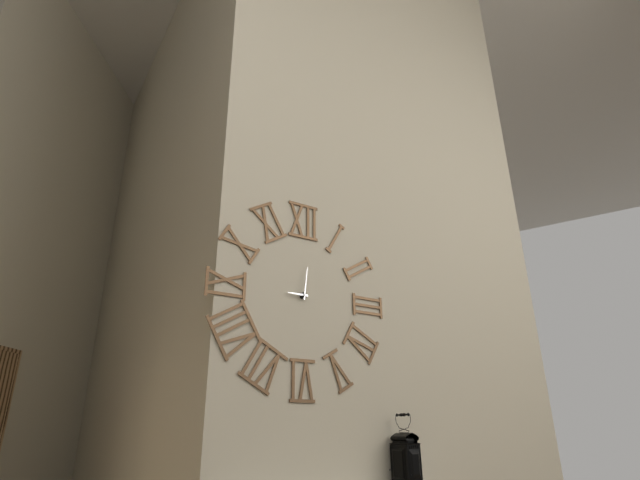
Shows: 9:01
